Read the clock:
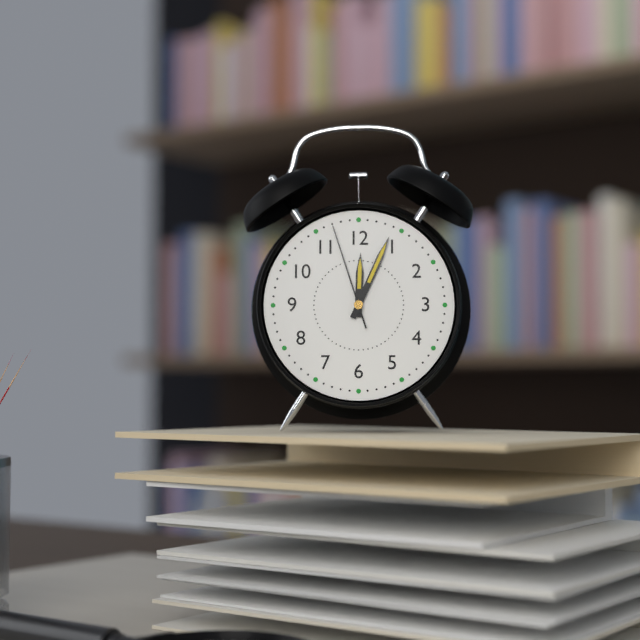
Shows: 12:04:57
